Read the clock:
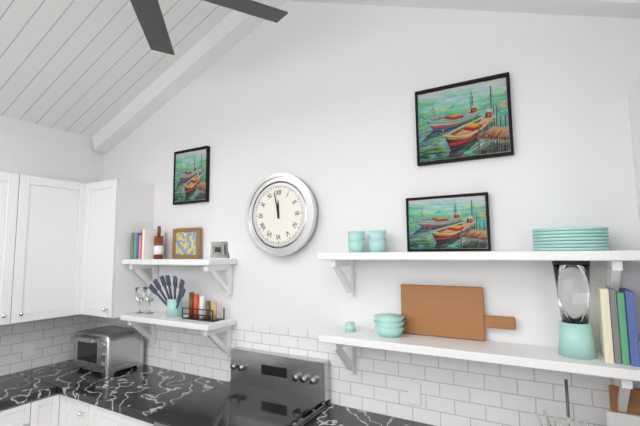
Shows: 11:58
